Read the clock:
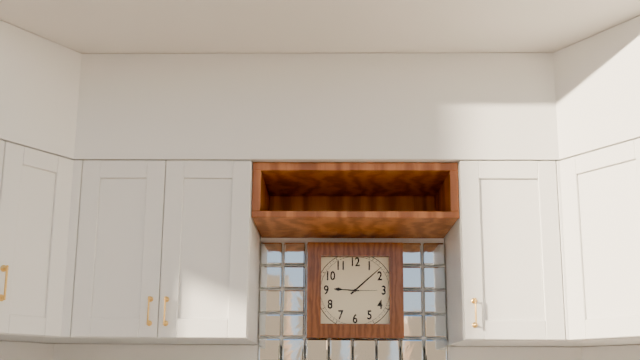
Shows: 9:08
